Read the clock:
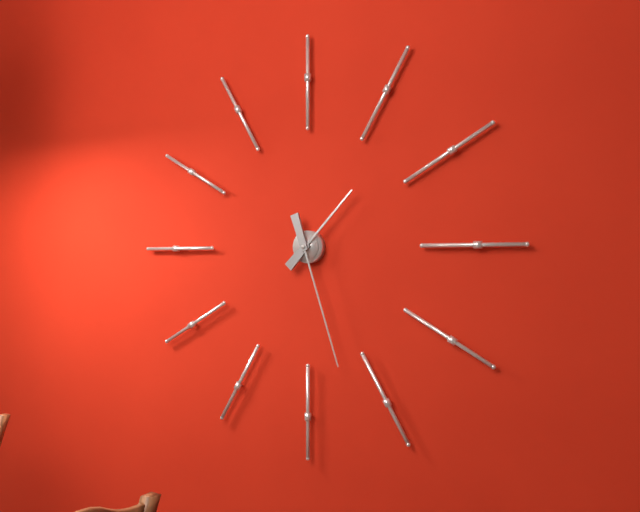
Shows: 1:27
